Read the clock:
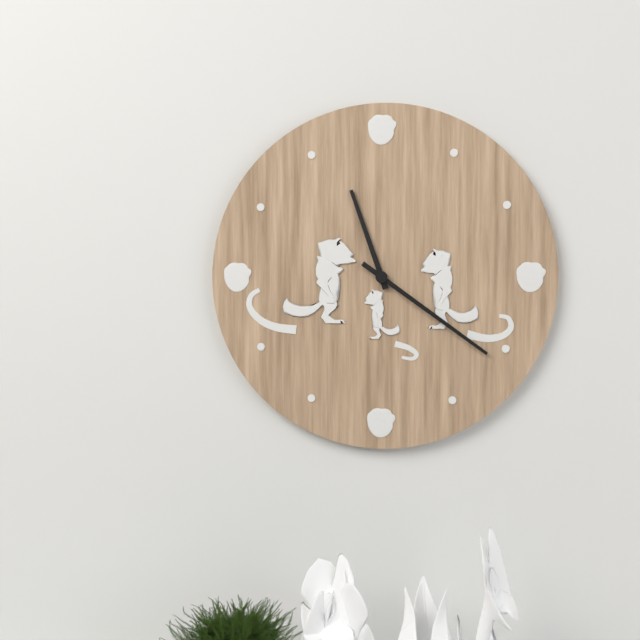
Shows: 11:21
